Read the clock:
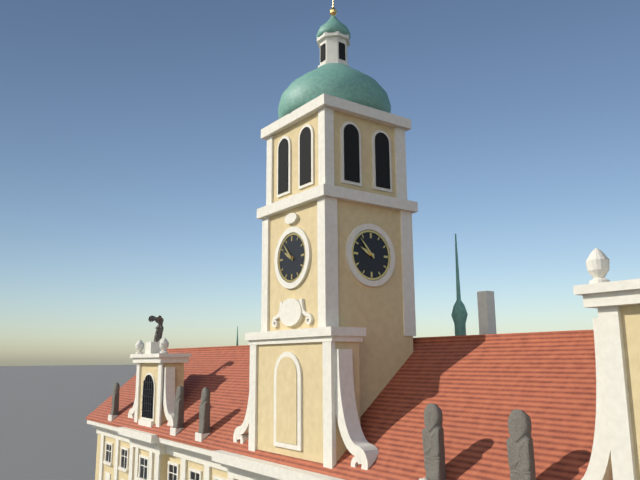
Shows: 9:53
